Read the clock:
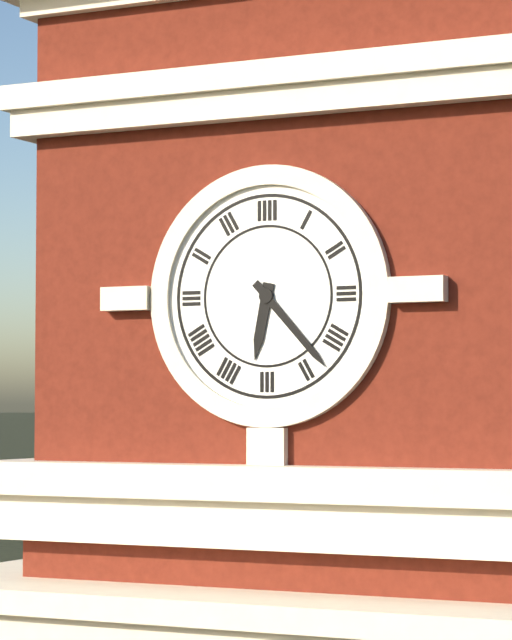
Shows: 6:23
